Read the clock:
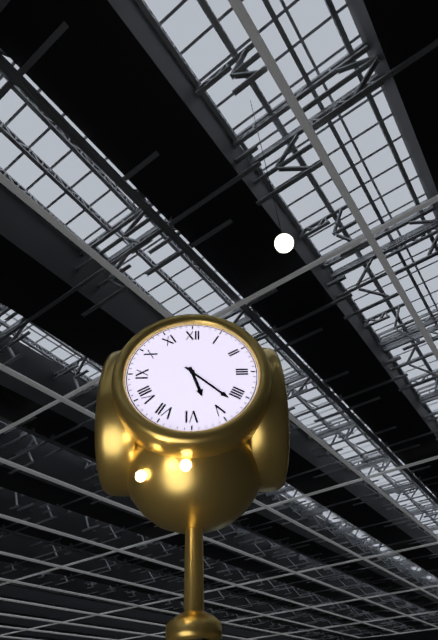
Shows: 5:22
